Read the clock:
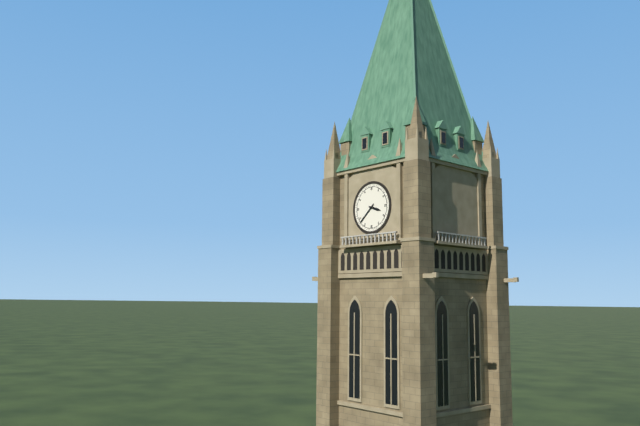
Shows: 3:38
